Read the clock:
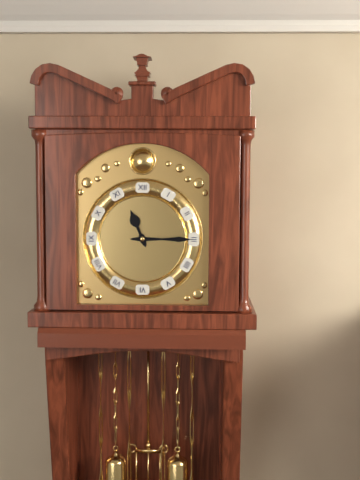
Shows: 11:15
